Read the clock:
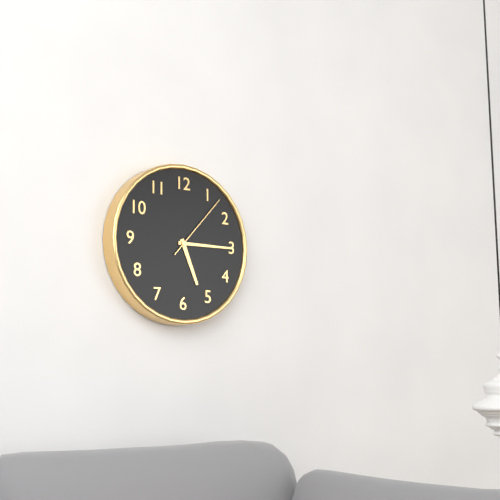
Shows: 5:15:07
